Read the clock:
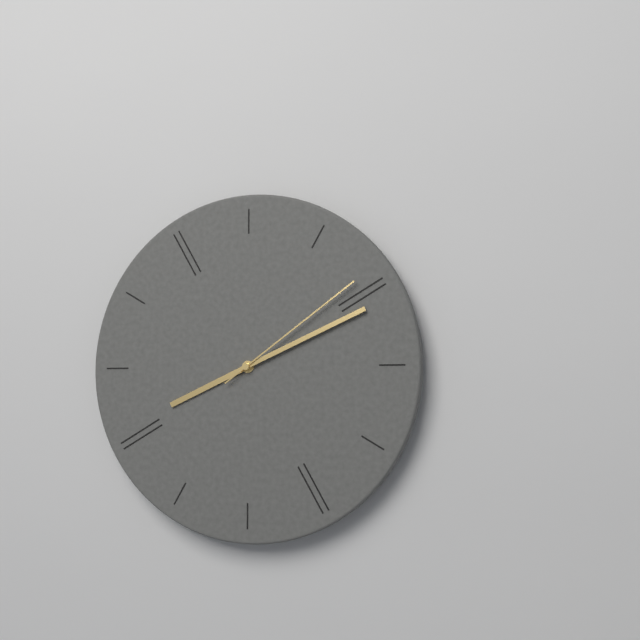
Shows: 8:11:09
